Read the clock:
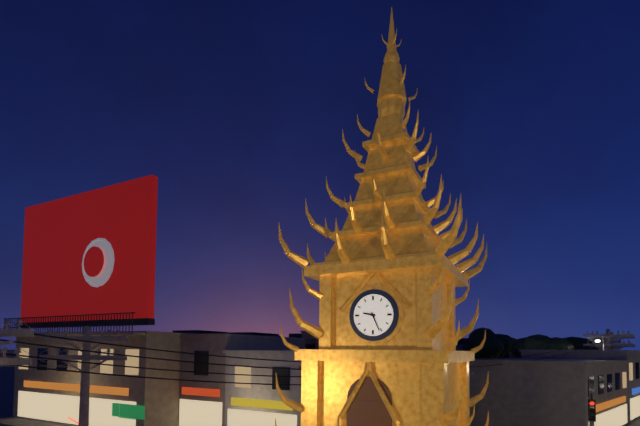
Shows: 9:26
